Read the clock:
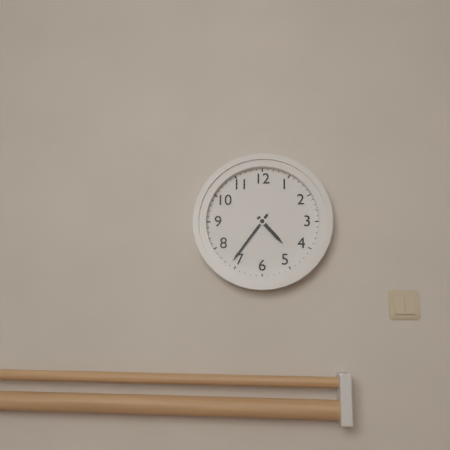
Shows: 4:36
